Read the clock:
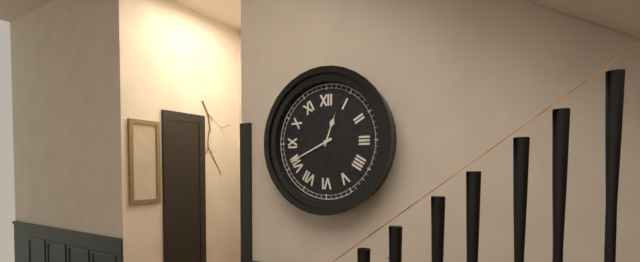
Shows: 12:41
